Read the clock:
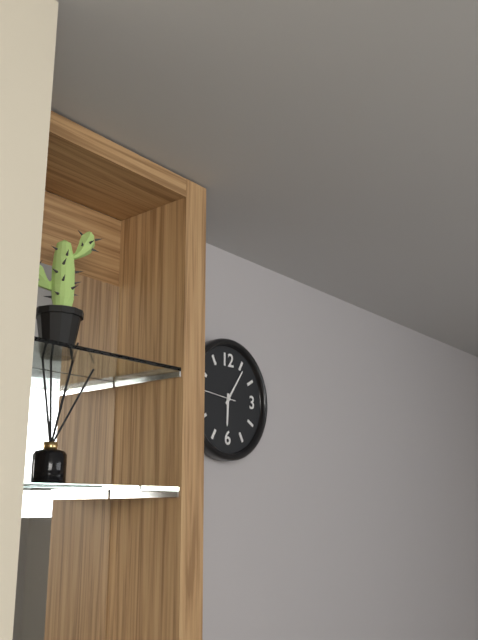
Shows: 6:06
